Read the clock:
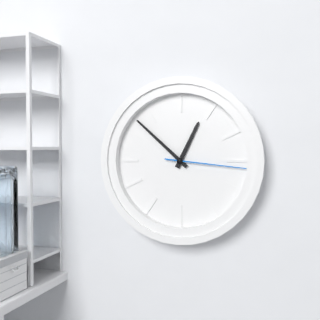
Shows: 12:52:16
